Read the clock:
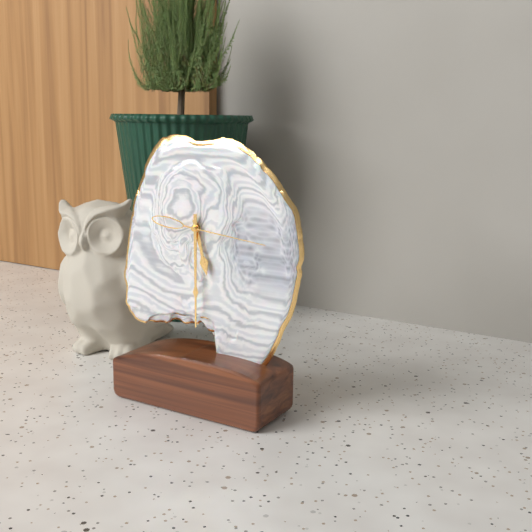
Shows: 5:30:16
